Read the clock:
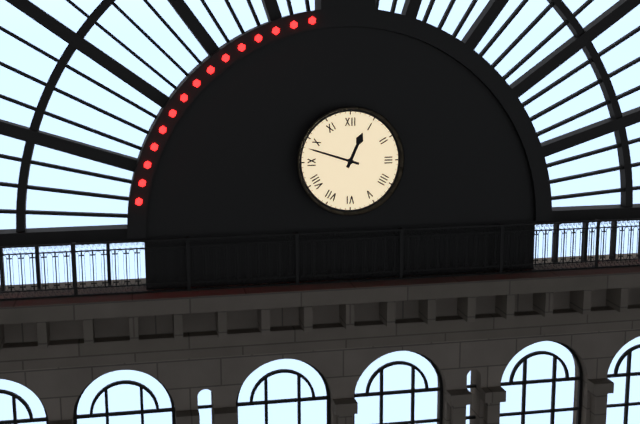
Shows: 12:48
